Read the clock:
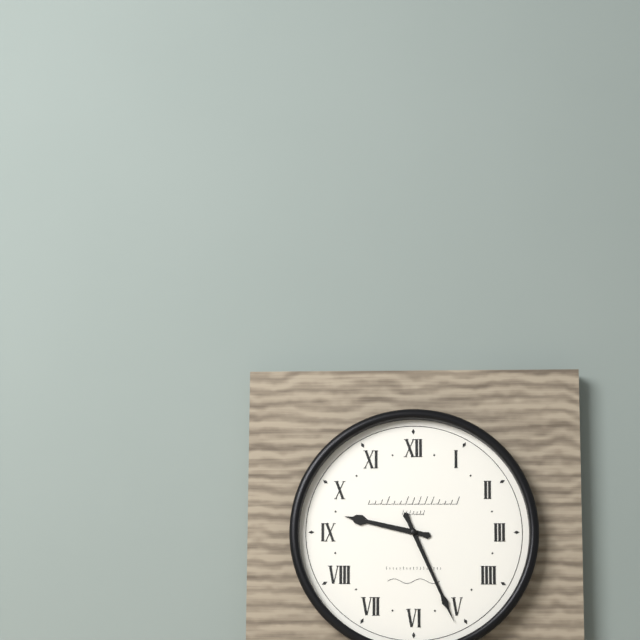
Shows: 9:26
